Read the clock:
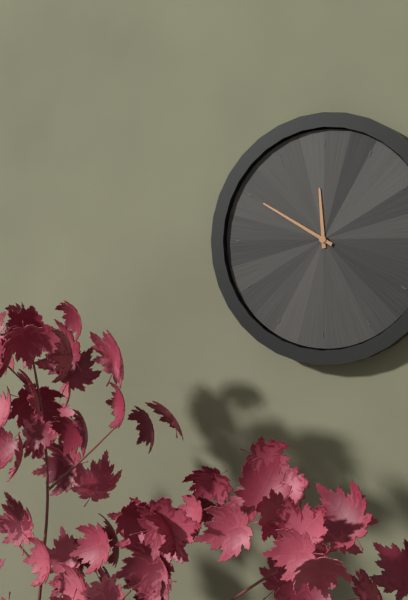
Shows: 11:50
